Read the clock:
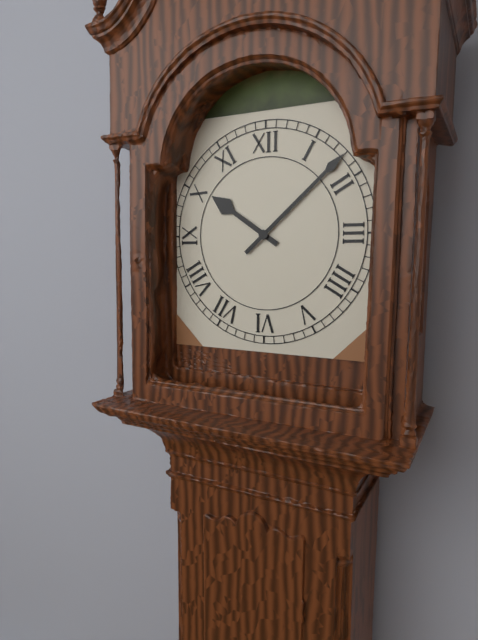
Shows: 10:08
